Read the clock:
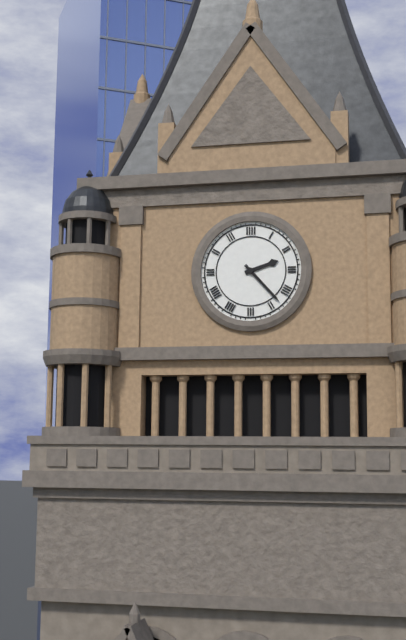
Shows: 2:23
